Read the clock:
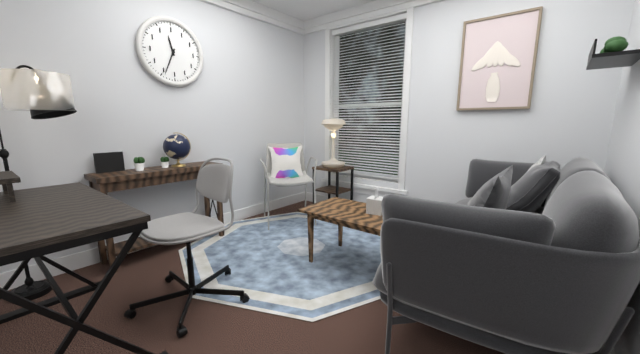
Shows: 11:34
